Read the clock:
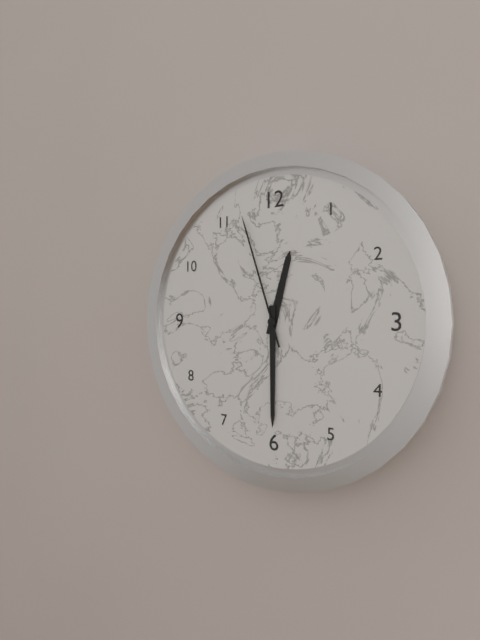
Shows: 12:30:57
